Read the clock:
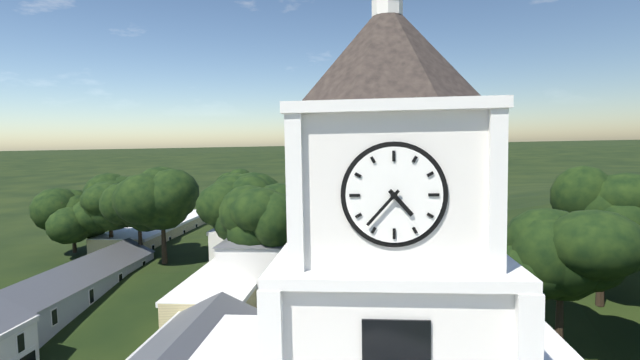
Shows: 4:37
